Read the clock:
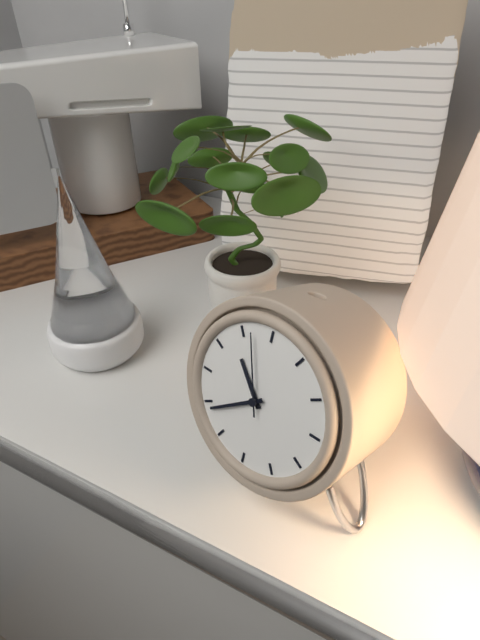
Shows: 10:39:57
